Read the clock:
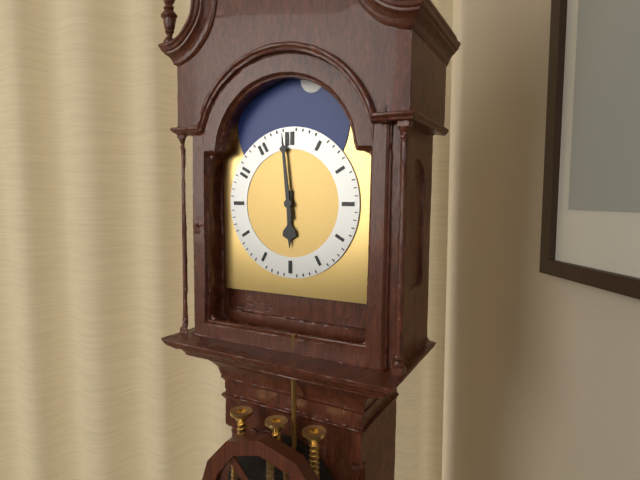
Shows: 5:59
